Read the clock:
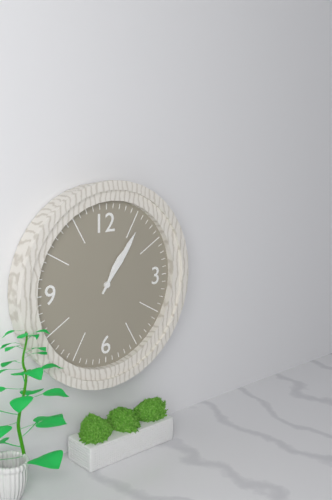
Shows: 1:06
